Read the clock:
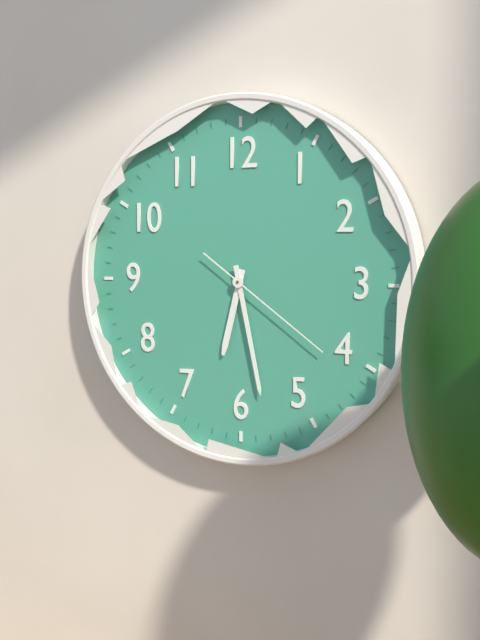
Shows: 6:28:21
